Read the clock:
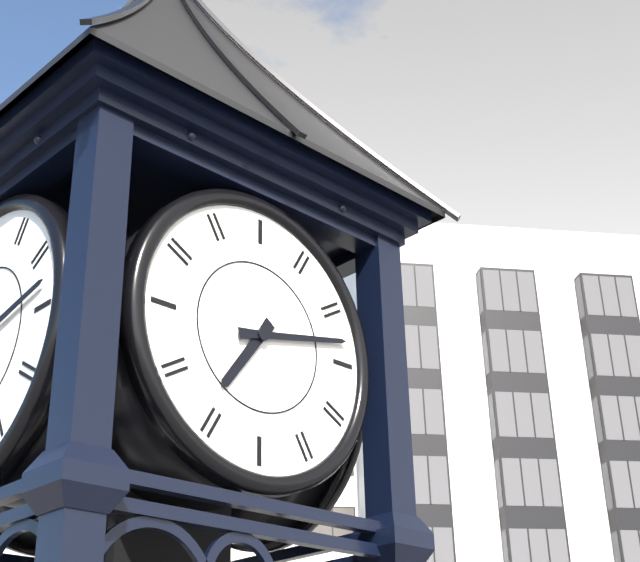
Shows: 7:13
